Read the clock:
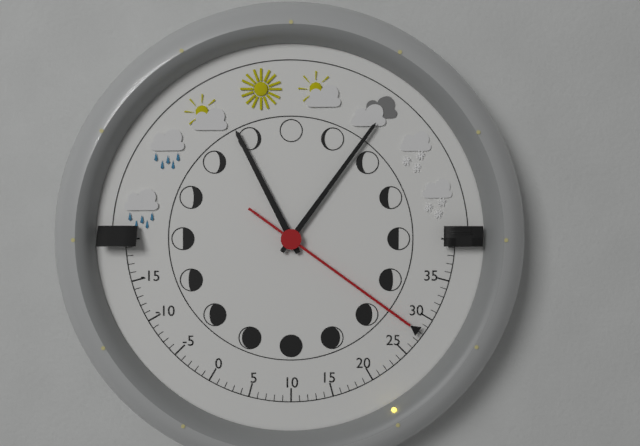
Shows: 11:06:21
